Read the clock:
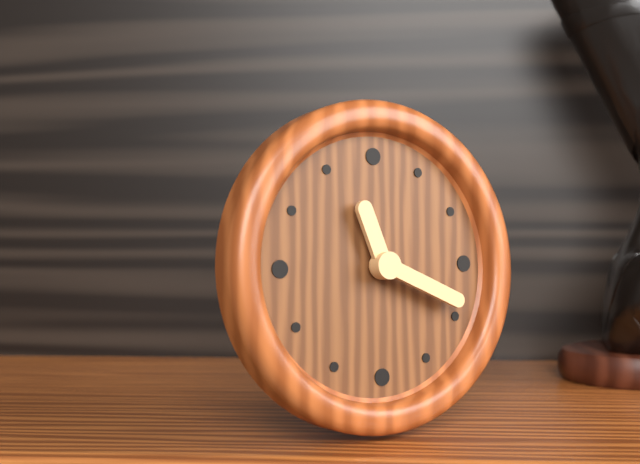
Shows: 11:19
